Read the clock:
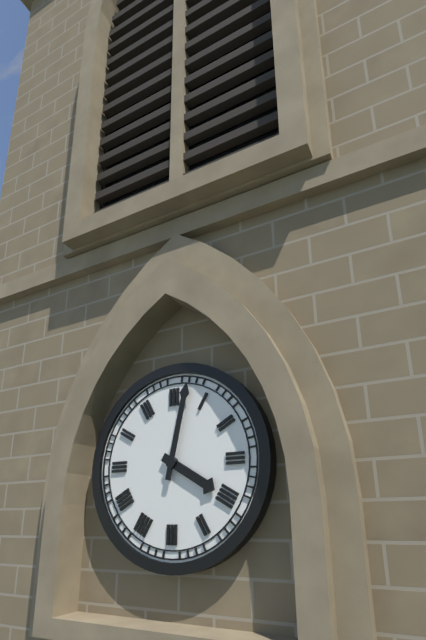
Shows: 4:02
